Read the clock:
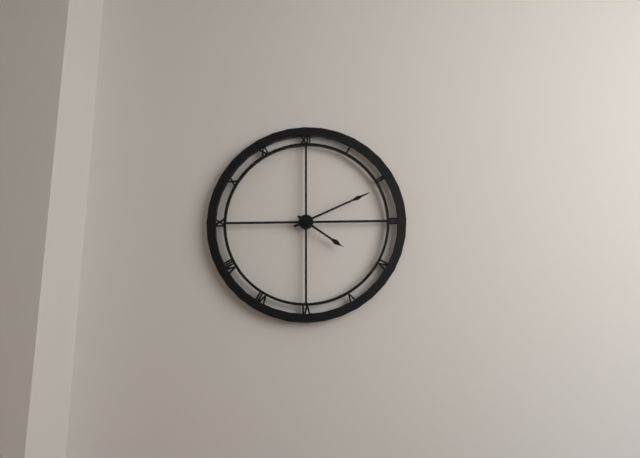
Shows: 4:11
